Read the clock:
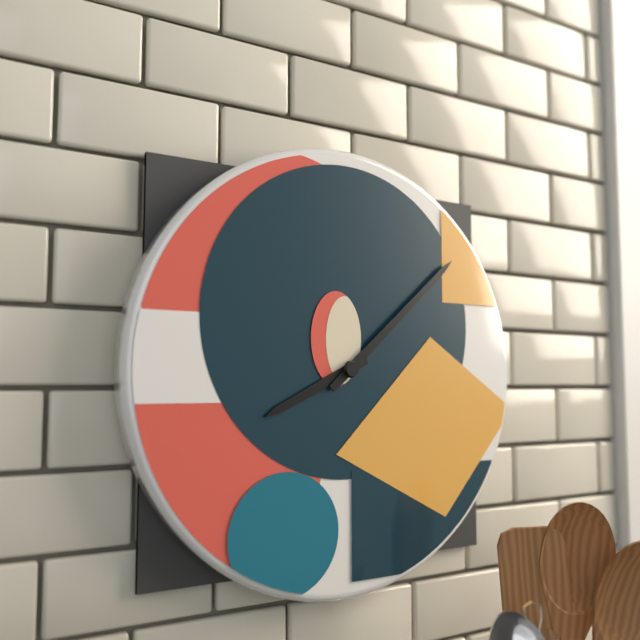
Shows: 8:08
